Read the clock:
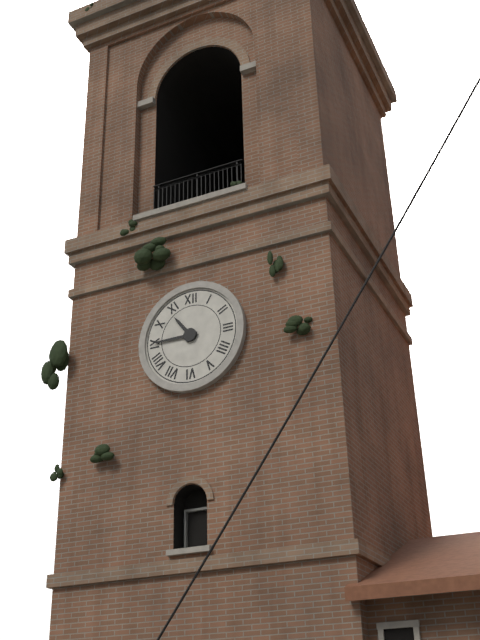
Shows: 10:45
